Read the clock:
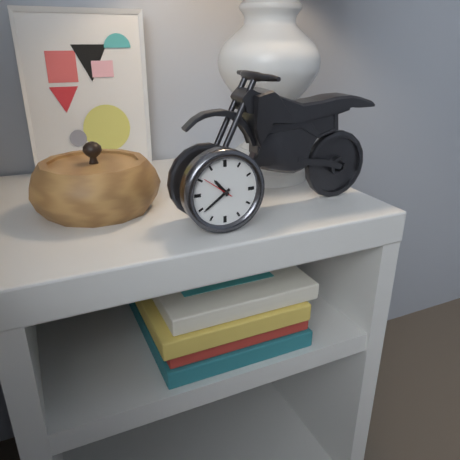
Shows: 10:39
